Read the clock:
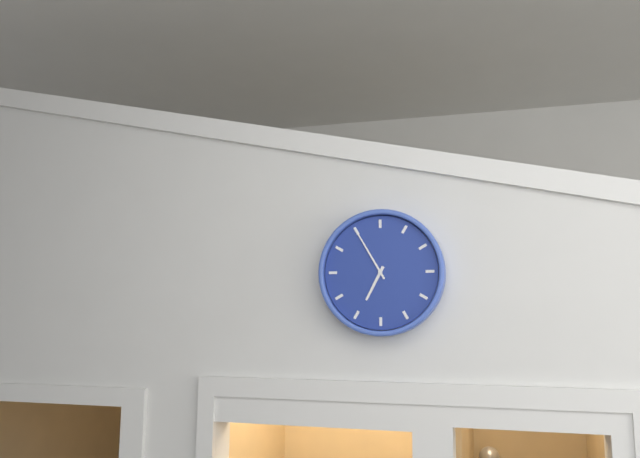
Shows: 6:55
